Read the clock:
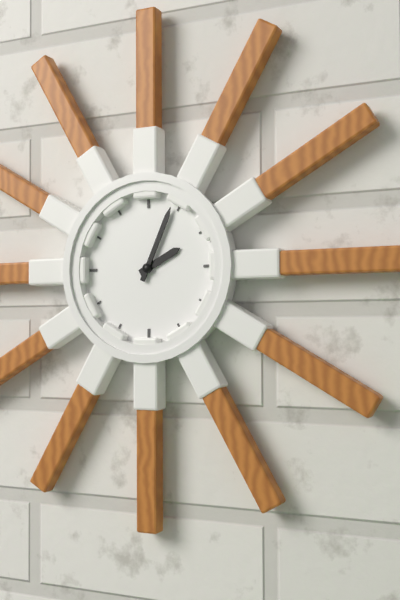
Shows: 2:04
